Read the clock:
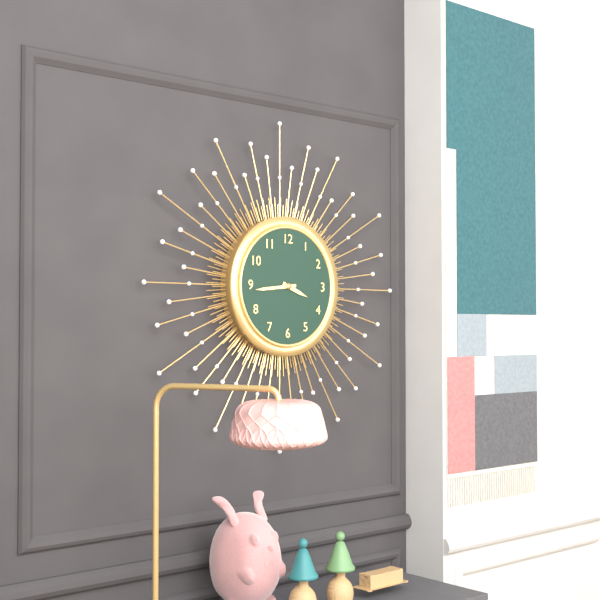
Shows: 3:44
